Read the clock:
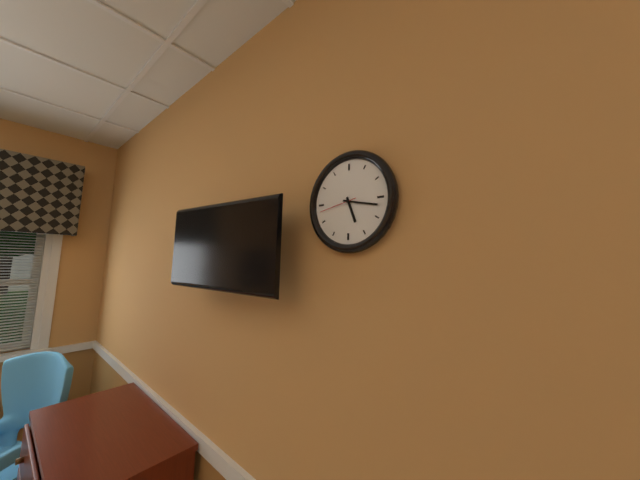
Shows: 5:17
